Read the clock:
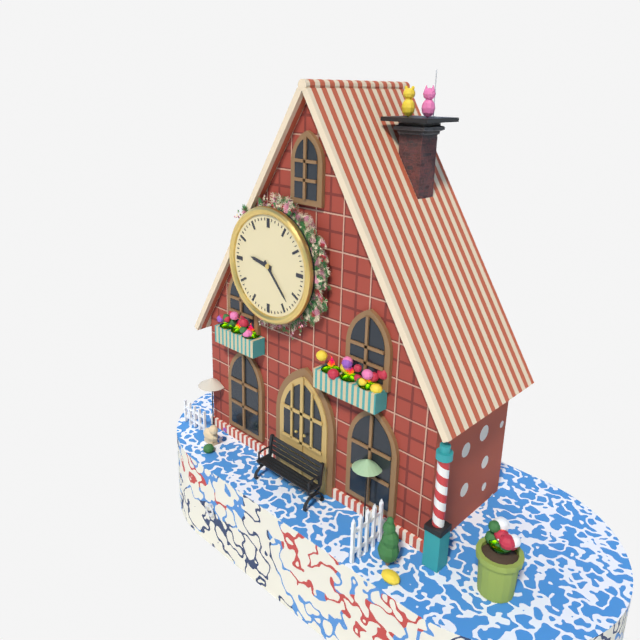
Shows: 9:23
